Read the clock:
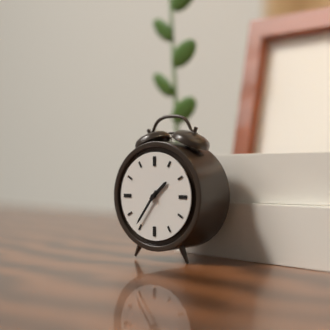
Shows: 1:36
